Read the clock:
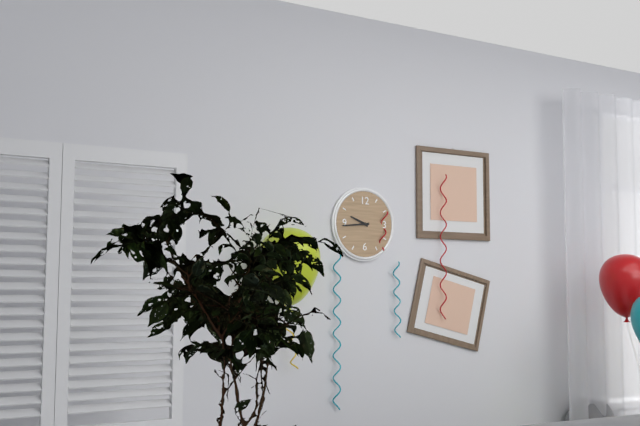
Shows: 9:44
